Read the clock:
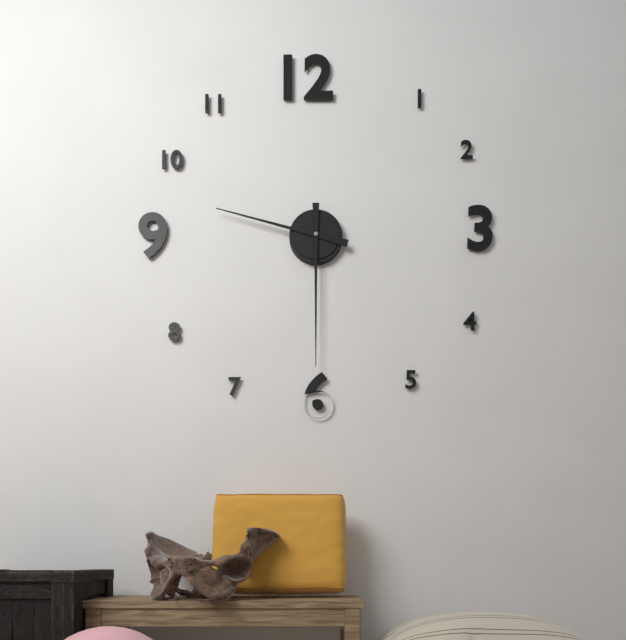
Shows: 9:30
